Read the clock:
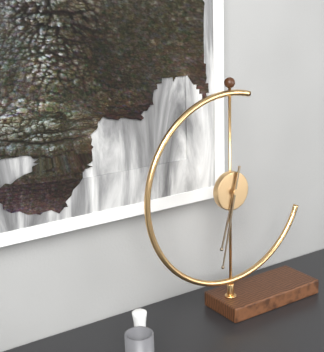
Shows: 6:32
